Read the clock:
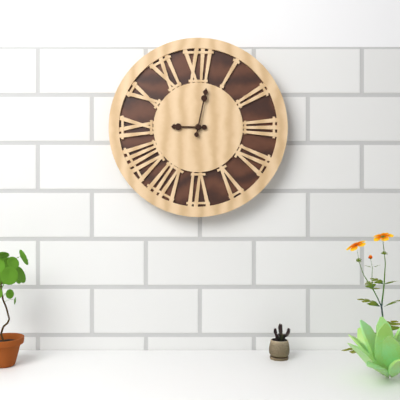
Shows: 9:02
